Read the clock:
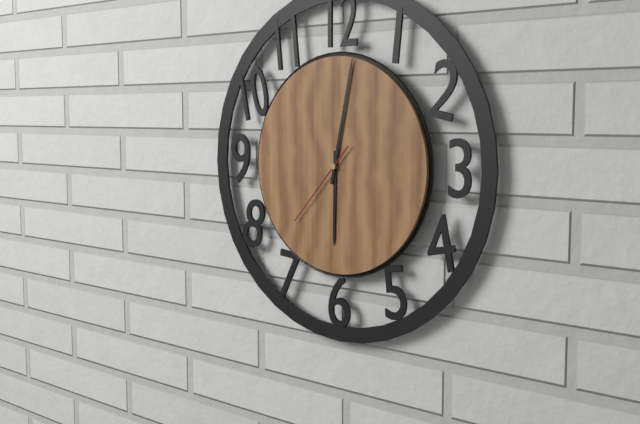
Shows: 6:02:37
